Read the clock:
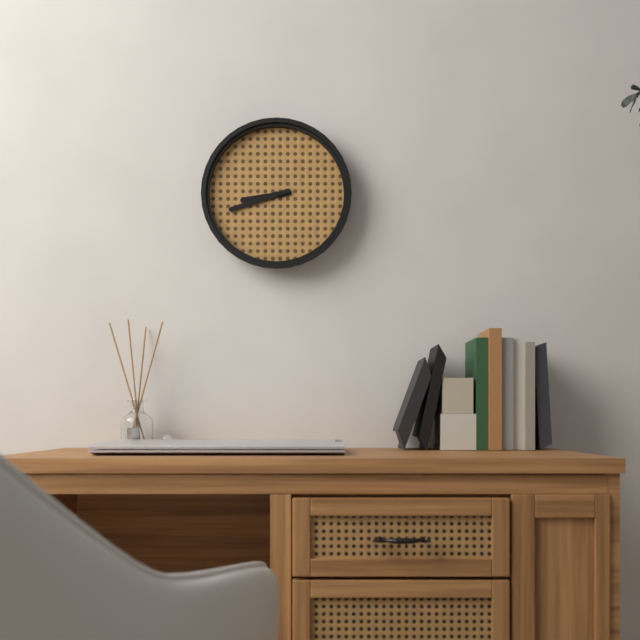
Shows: 8:42
